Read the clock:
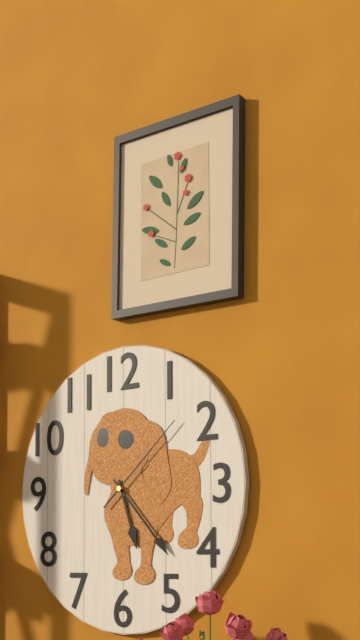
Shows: 5:23:08
